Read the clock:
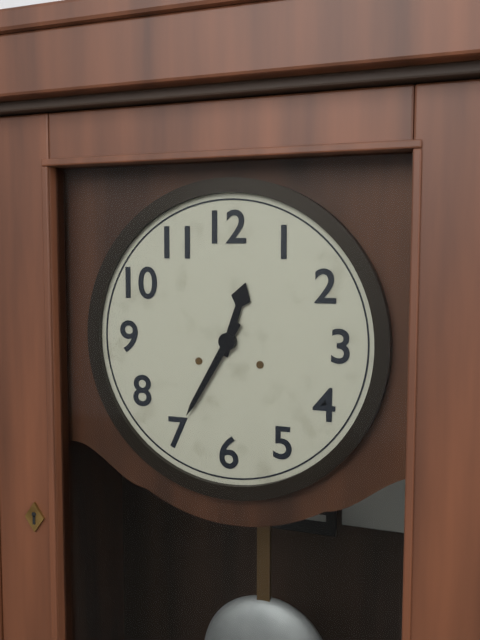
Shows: 12:35
